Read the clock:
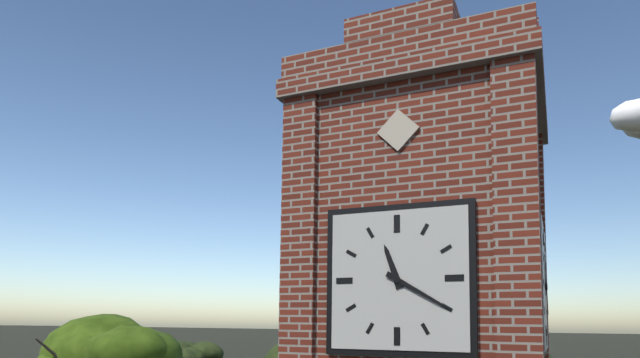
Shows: 11:20
